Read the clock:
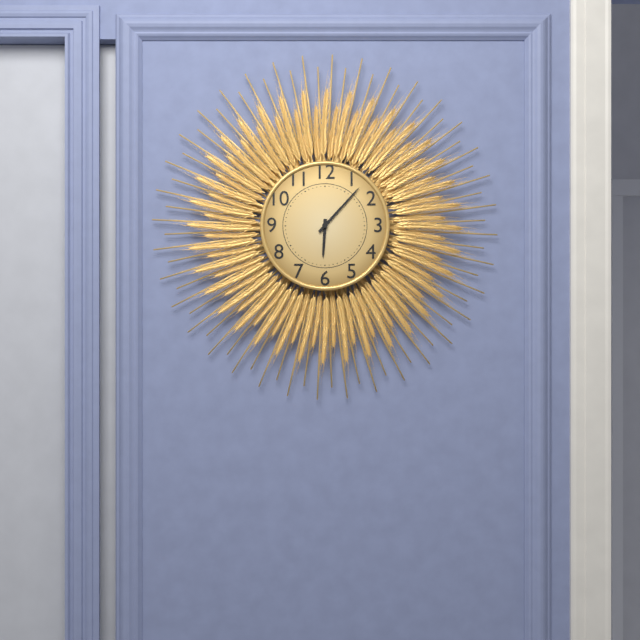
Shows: 6:07
